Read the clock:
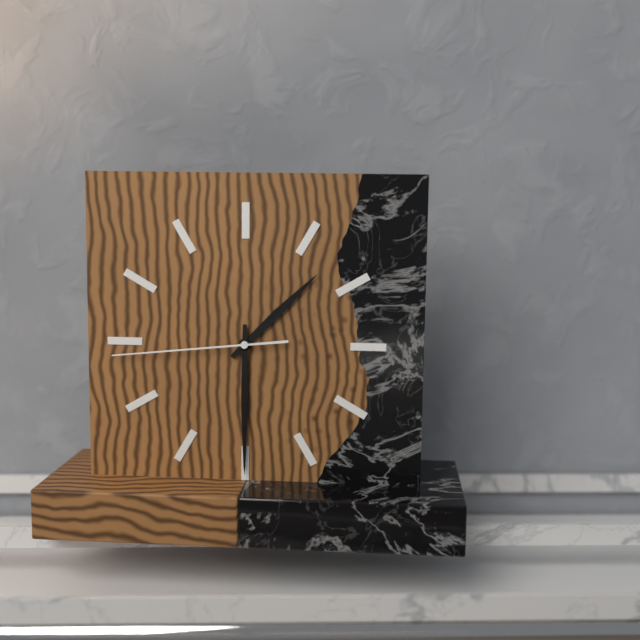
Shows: 1:30:44
